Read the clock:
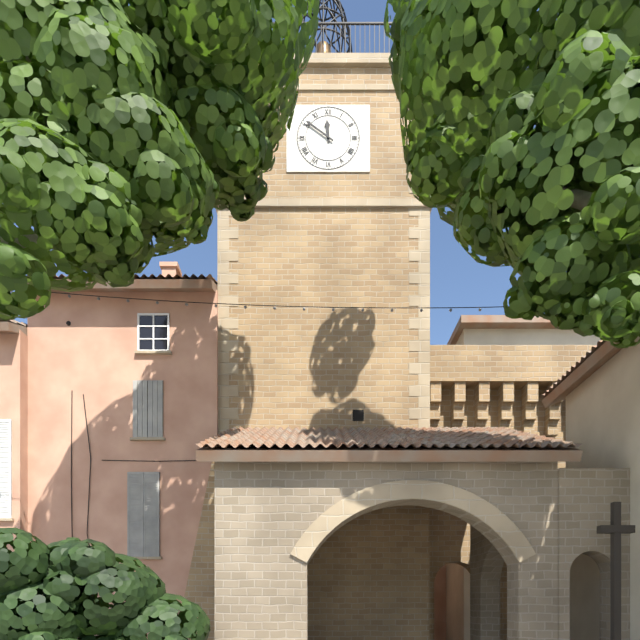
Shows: 11:51
